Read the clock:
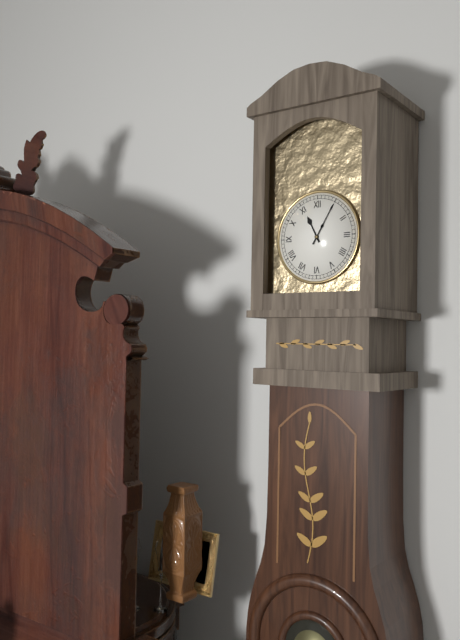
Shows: 11:05
